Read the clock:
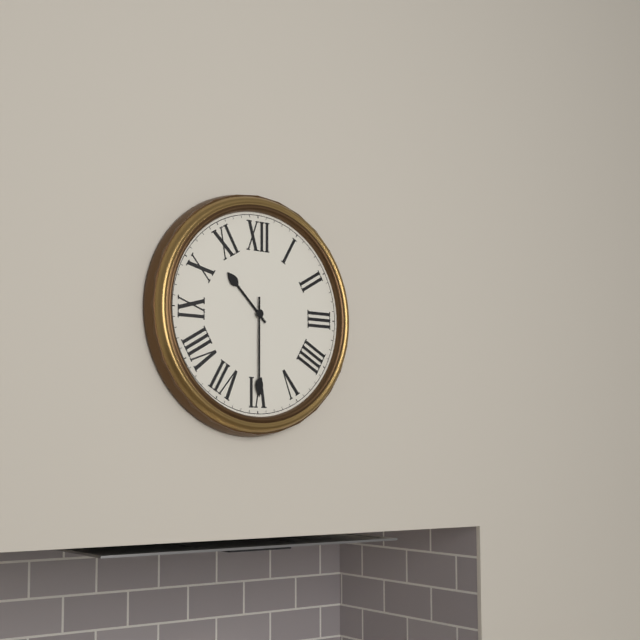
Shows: 10:30
